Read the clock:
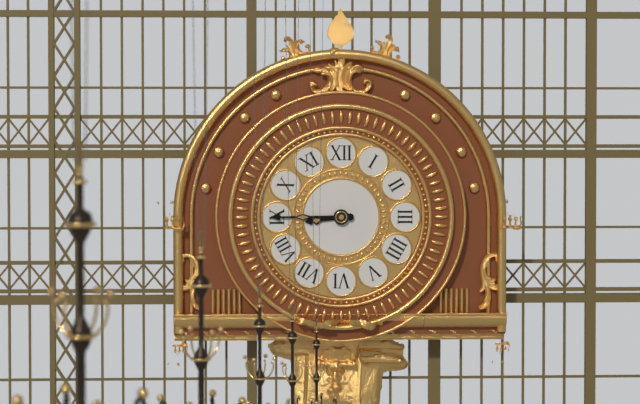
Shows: 8:45
